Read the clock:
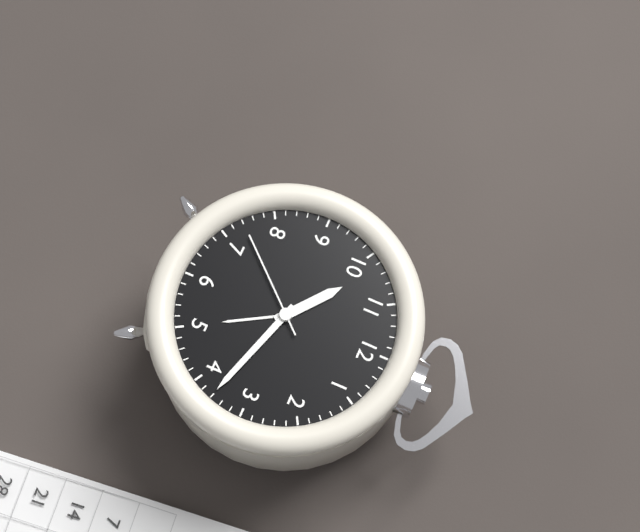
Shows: 10:18:37
